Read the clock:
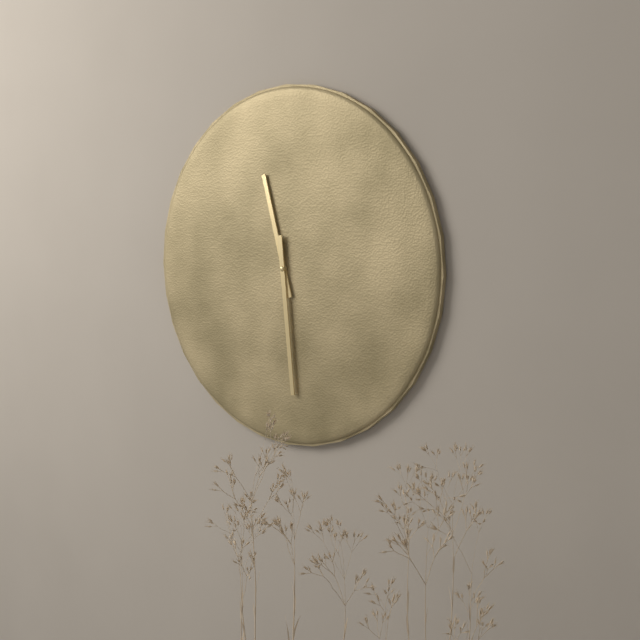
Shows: 11:29
